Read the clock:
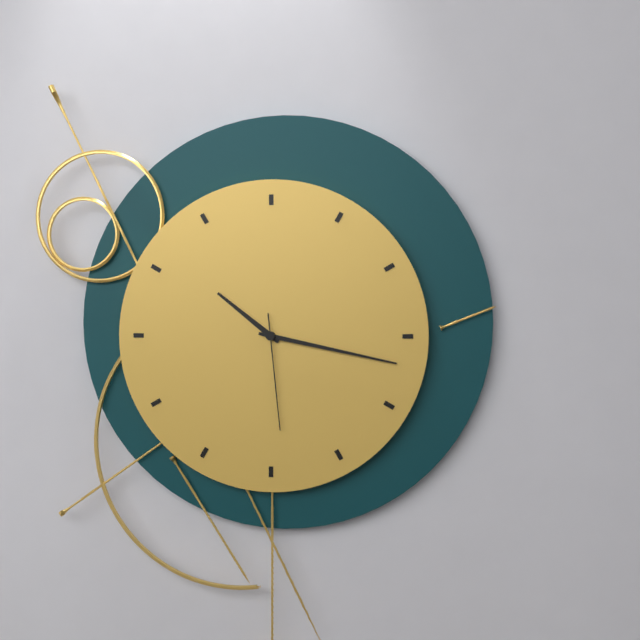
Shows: 10:17:29
